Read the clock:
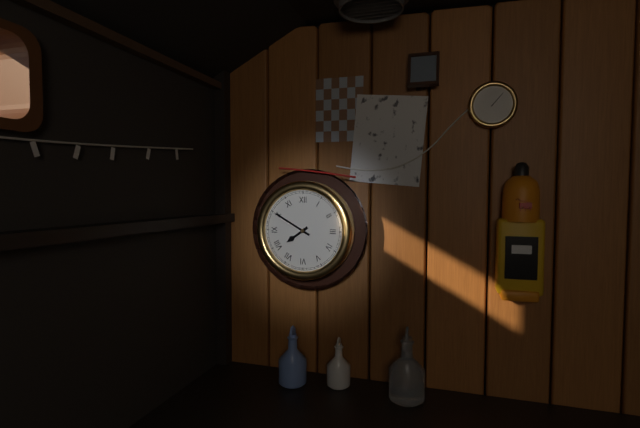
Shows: 7:50
